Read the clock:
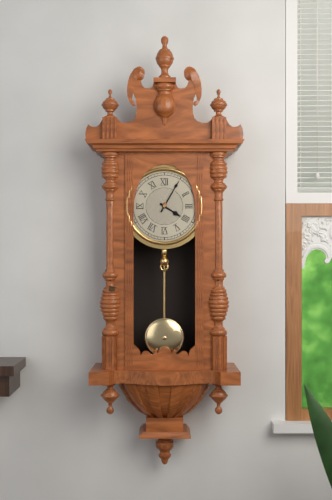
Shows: 4:05
